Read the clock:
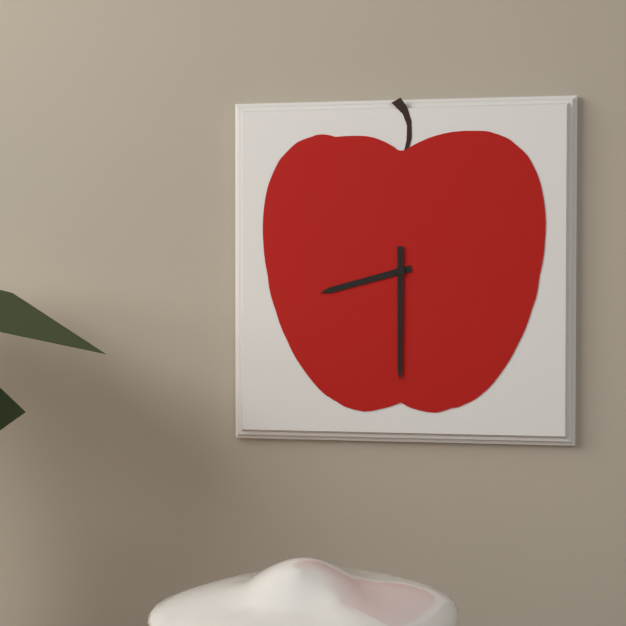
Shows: 8:30
